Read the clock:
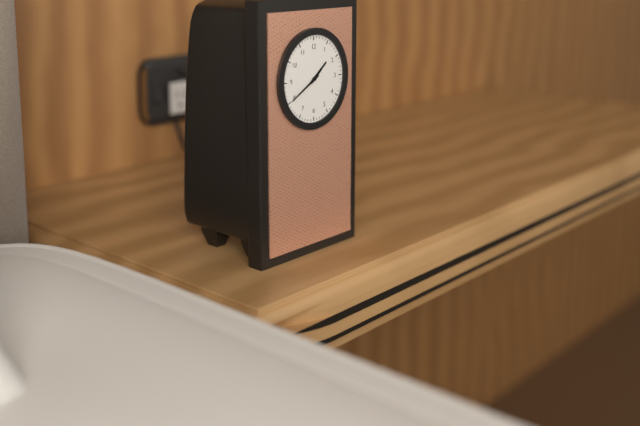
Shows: 1:40
